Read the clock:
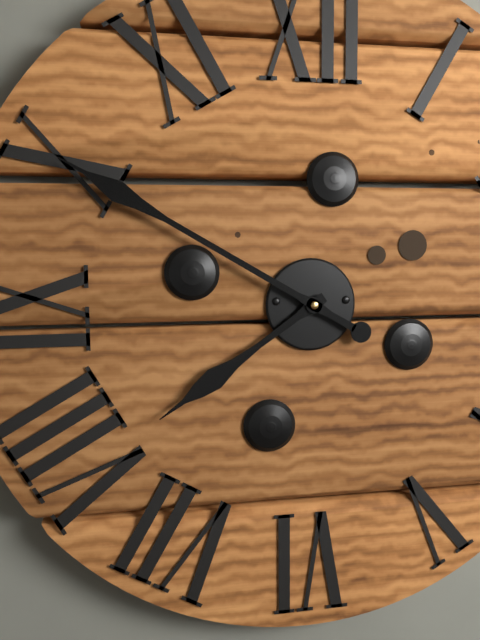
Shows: 7:50
